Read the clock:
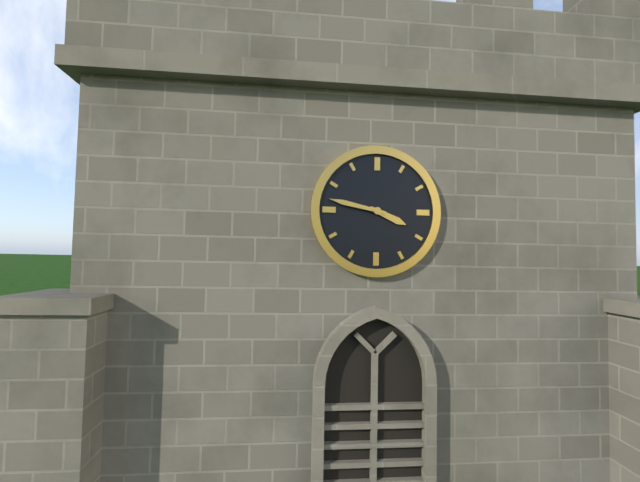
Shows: 3:47
